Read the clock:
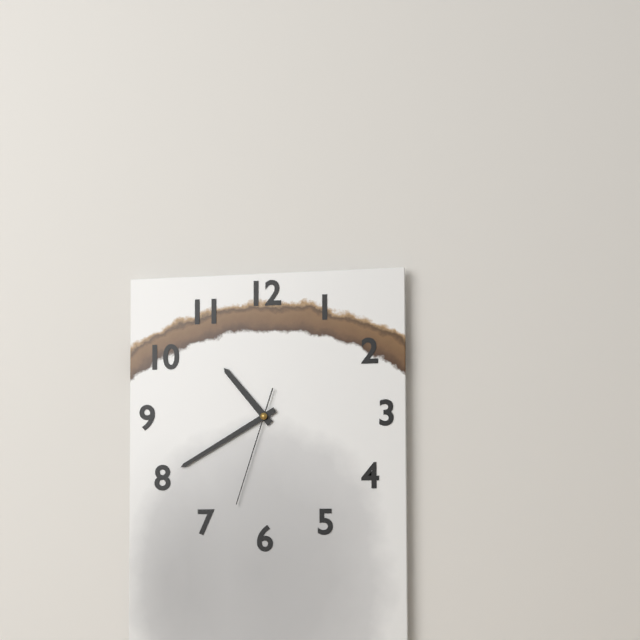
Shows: 10:40:33
